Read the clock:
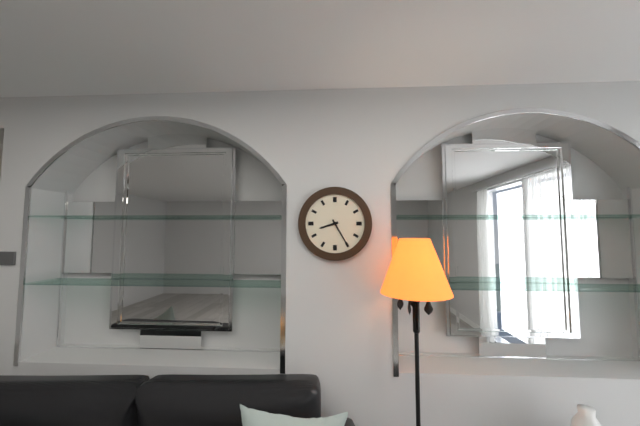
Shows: 8:25
